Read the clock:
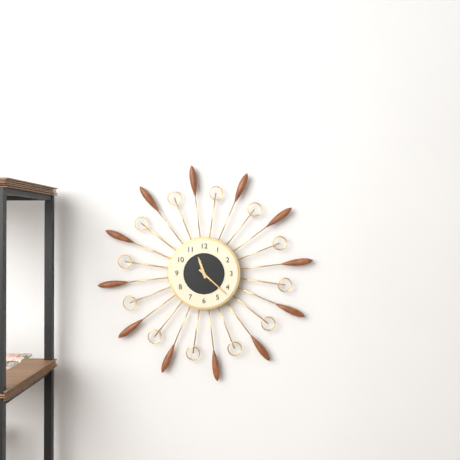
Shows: 11:22
